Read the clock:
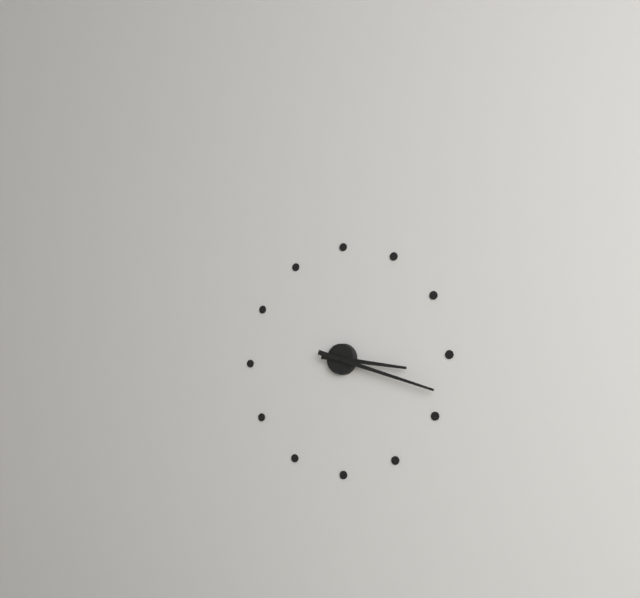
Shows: 3:18
